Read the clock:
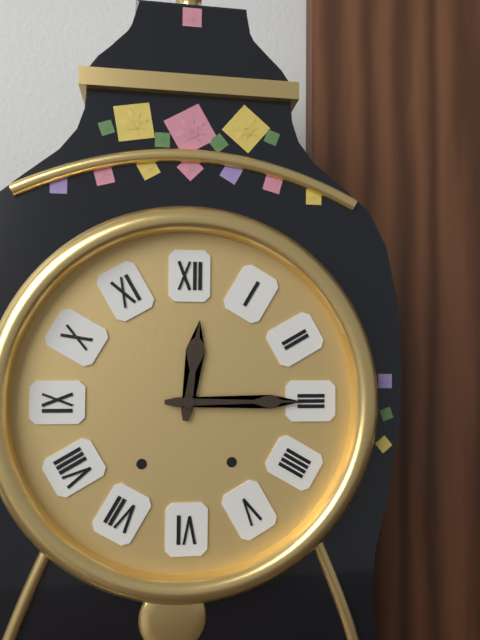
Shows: 12:15
